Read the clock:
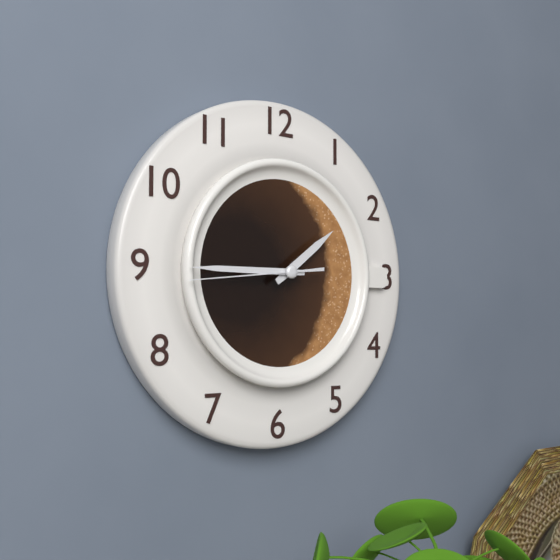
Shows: 1:45:44
